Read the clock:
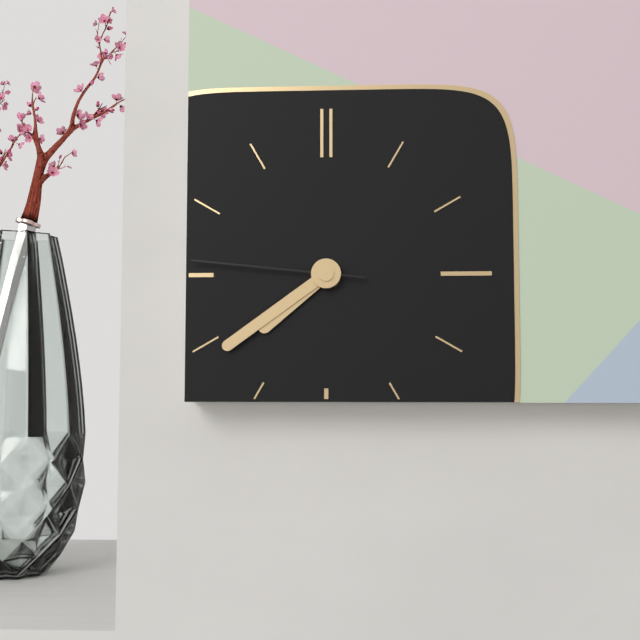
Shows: 7:39:46
